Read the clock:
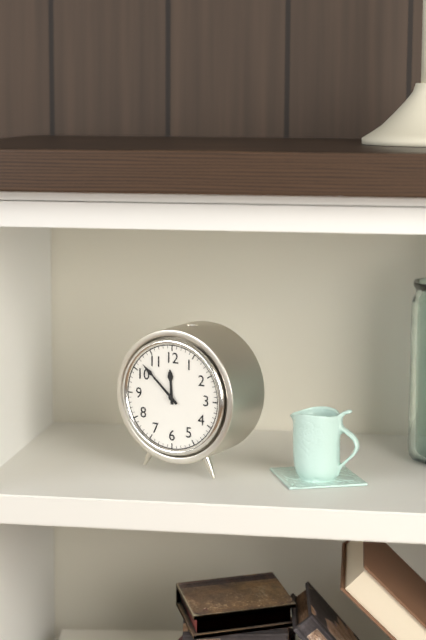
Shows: 11:52
